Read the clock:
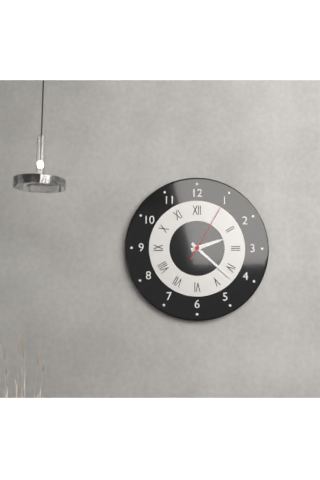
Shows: 2:22:05
